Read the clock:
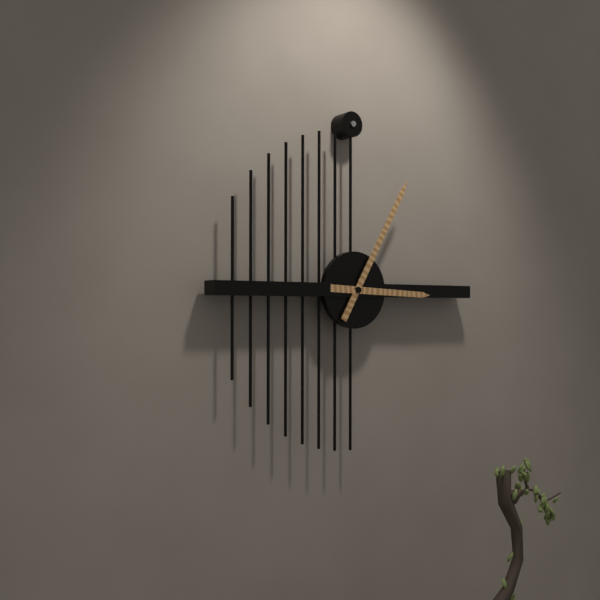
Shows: 3:05
